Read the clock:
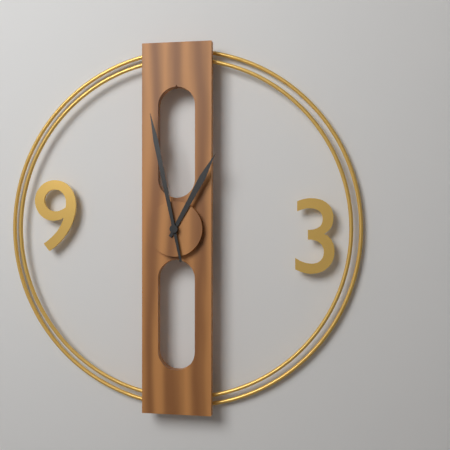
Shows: 12:58
